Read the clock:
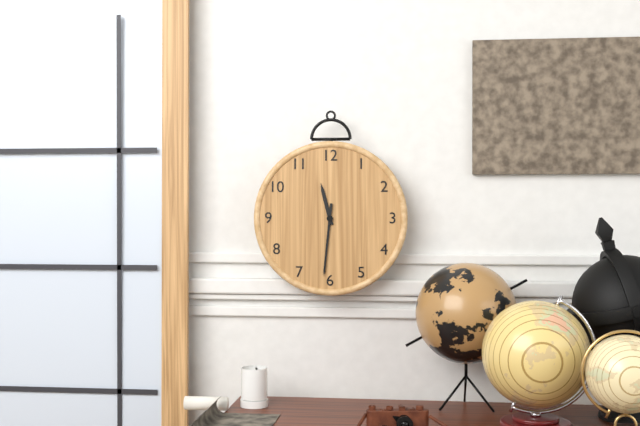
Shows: 11:31
